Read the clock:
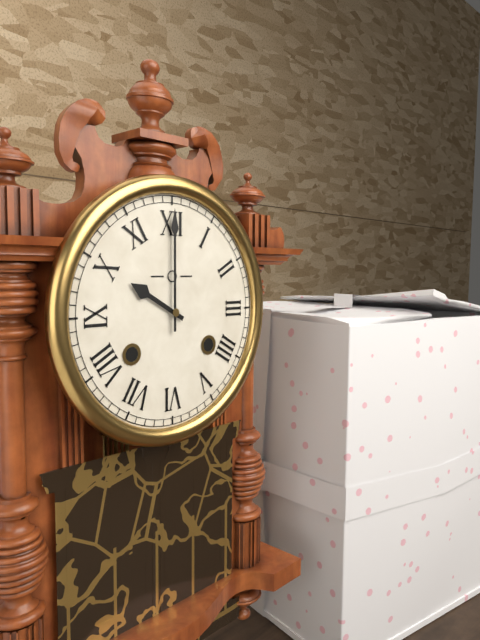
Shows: 10:00
